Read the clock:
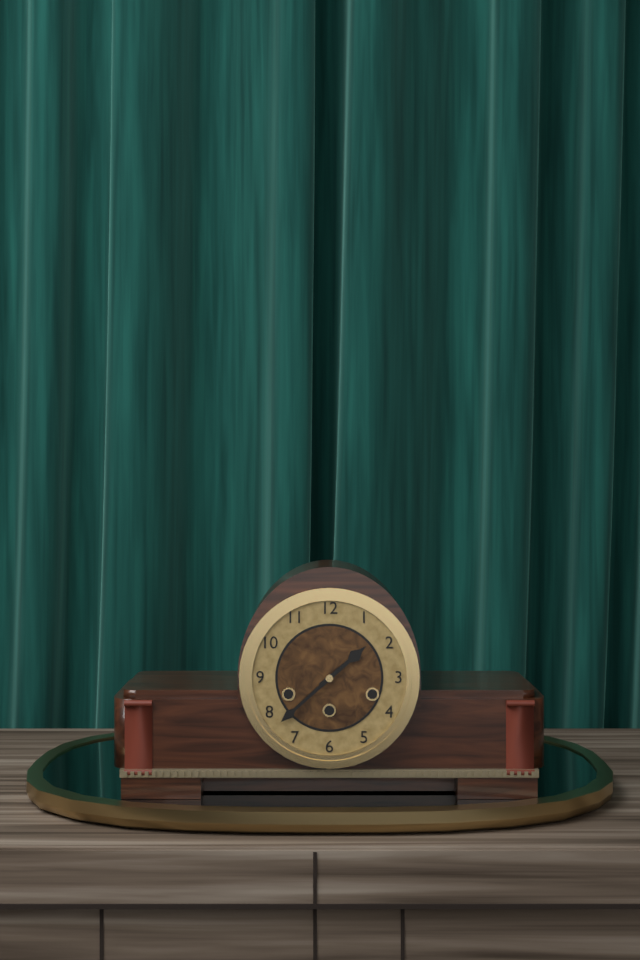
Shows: 1:38
